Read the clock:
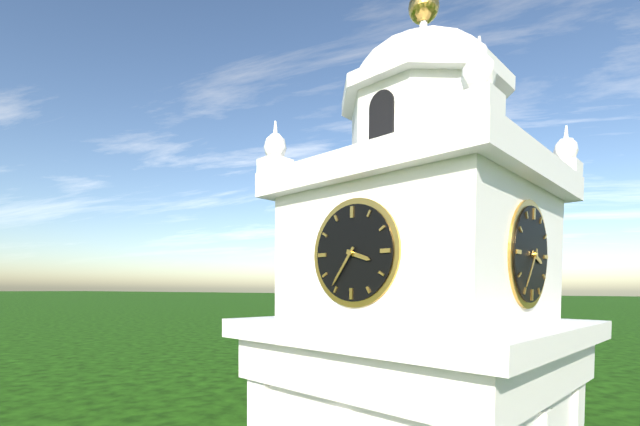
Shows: 3:36
